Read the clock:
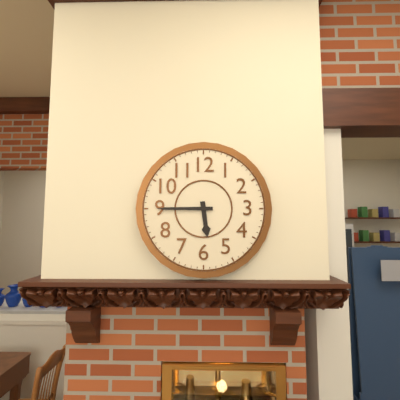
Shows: 5:45
